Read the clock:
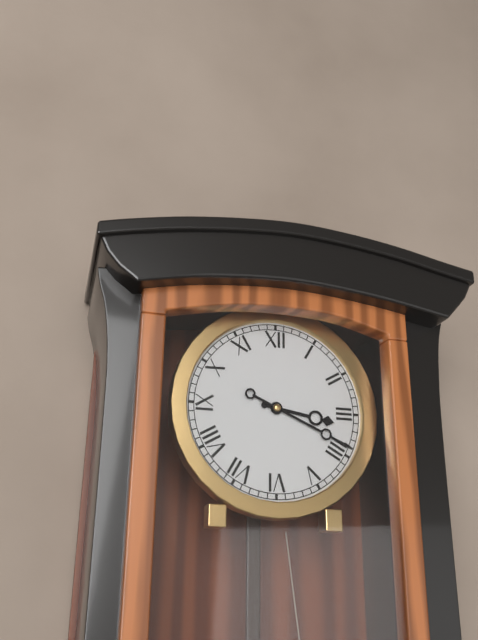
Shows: 3:19
